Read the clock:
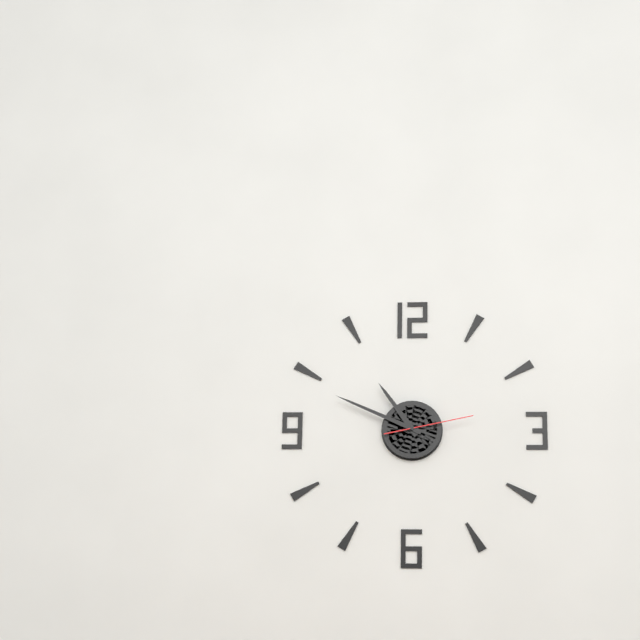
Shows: 10:49:13
